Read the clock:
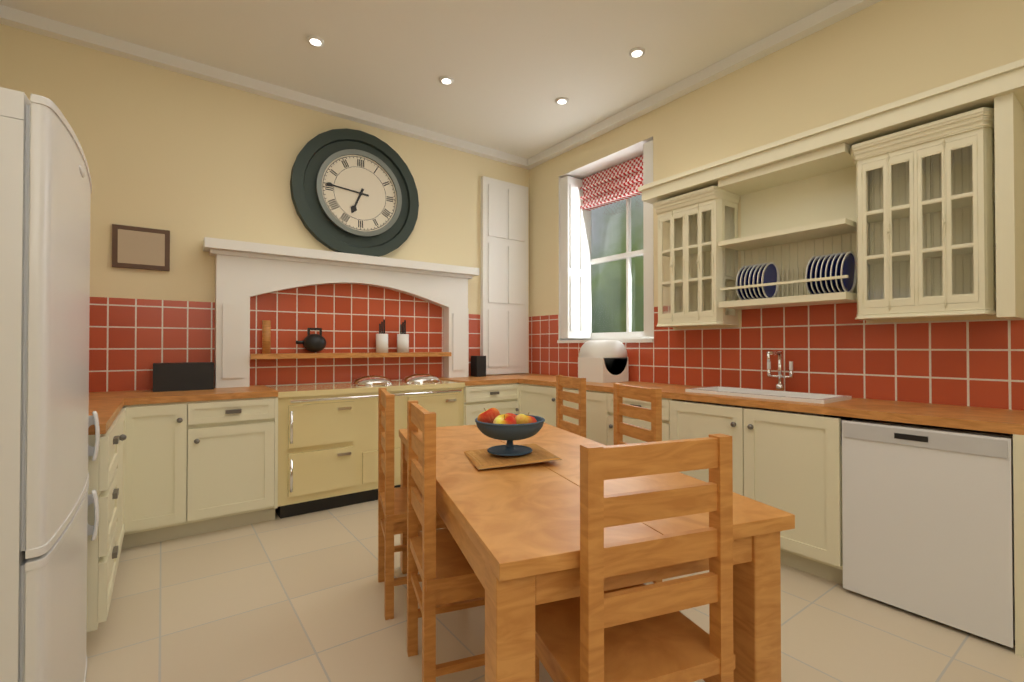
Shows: 6:46
